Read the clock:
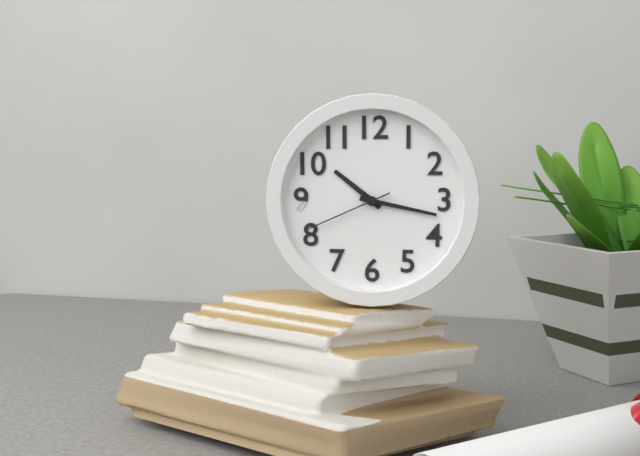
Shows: 10:17:41
